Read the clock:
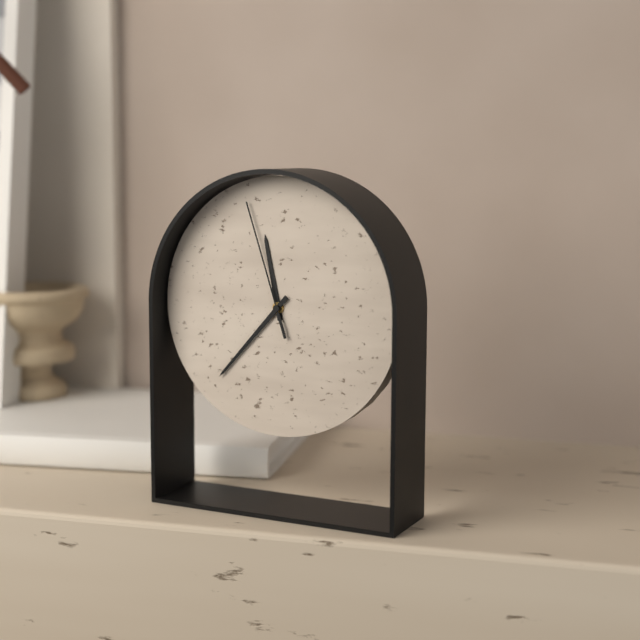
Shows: 11:37:57
